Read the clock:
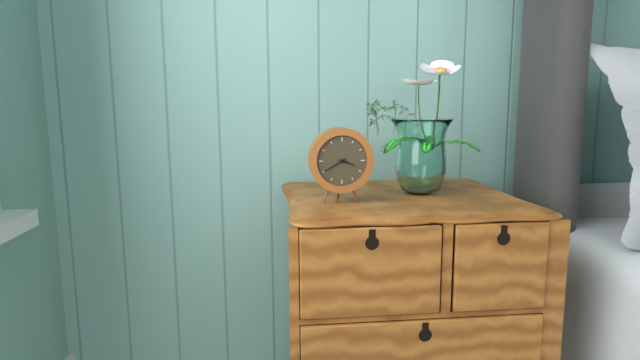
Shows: 3:40
